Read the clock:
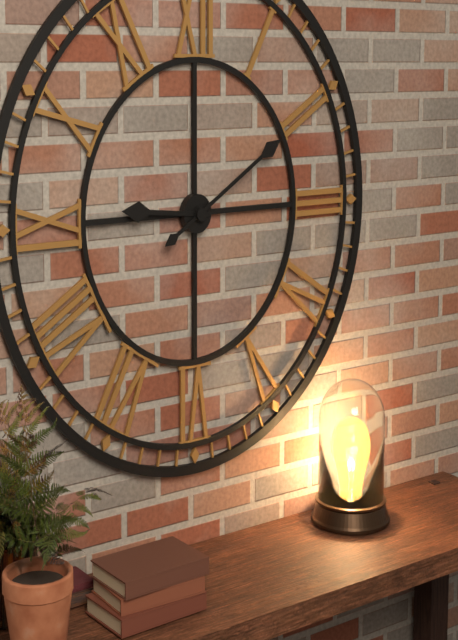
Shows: 9:10
